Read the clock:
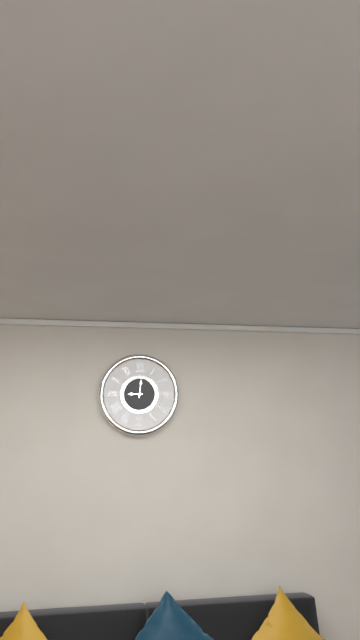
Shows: 9:01
